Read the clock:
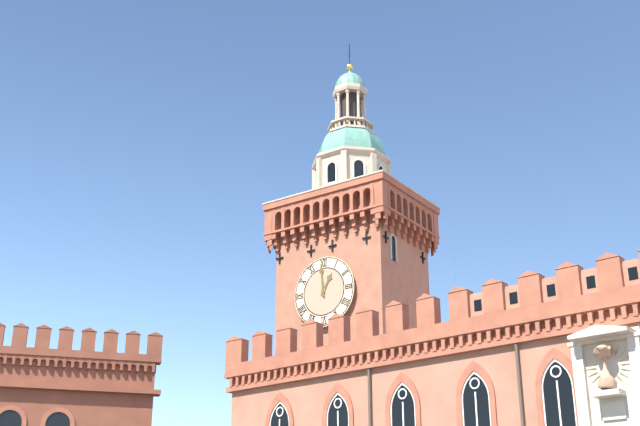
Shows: 12:59
